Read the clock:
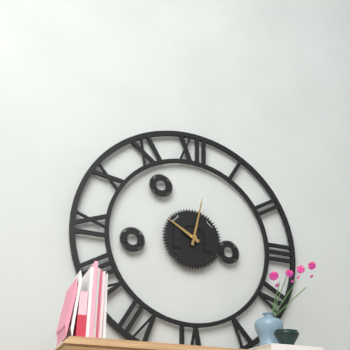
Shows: 10:02
